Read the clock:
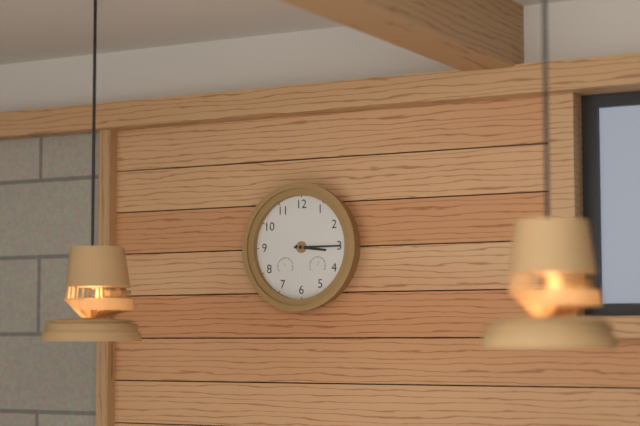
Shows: 3:15
